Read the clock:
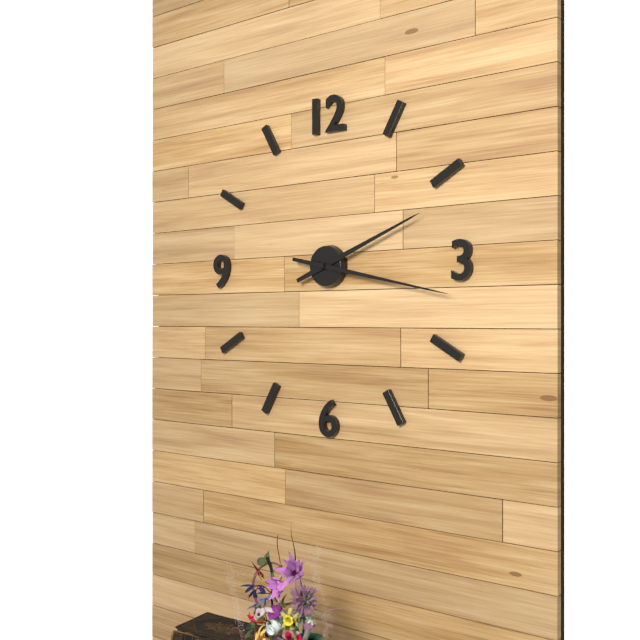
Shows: 2:17
